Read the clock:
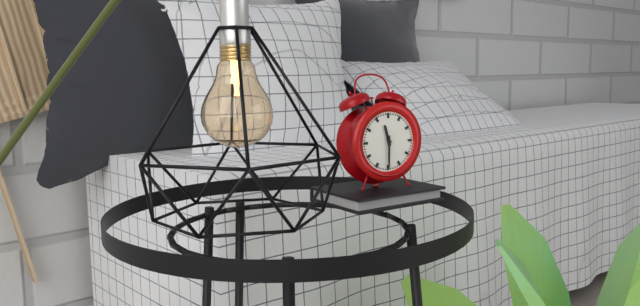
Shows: 11:30
